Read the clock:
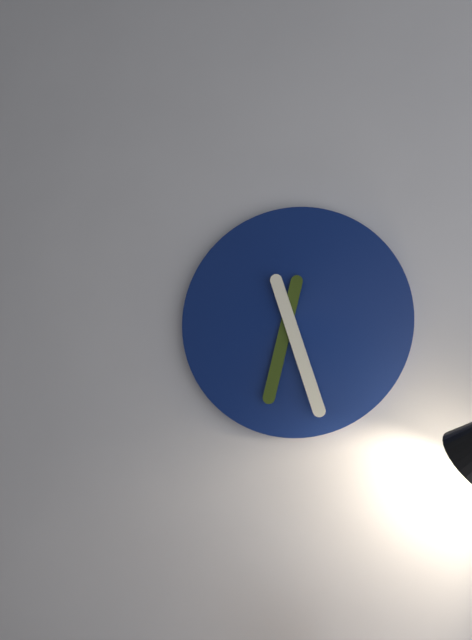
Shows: 6:27
